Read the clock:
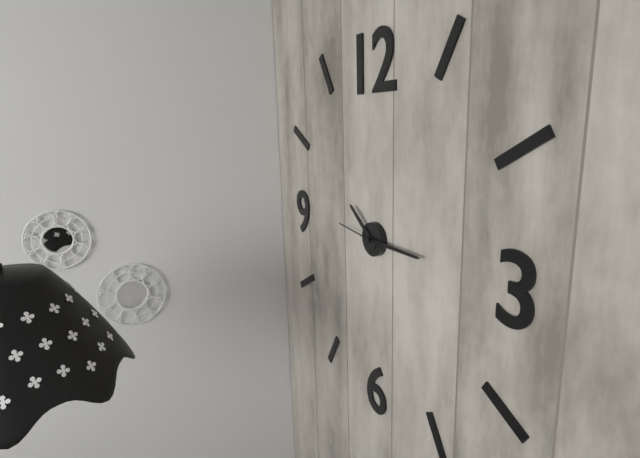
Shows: 10:15:46
